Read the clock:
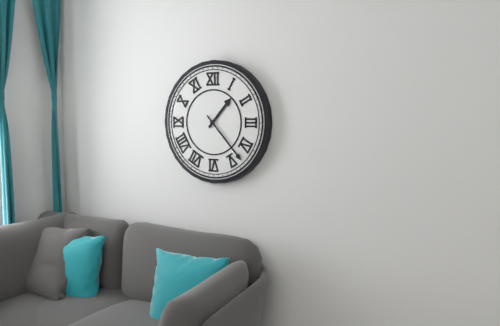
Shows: 1:23
